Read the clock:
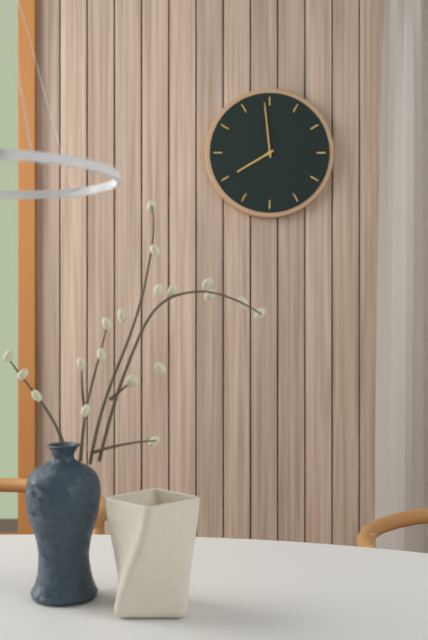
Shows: 7:59
